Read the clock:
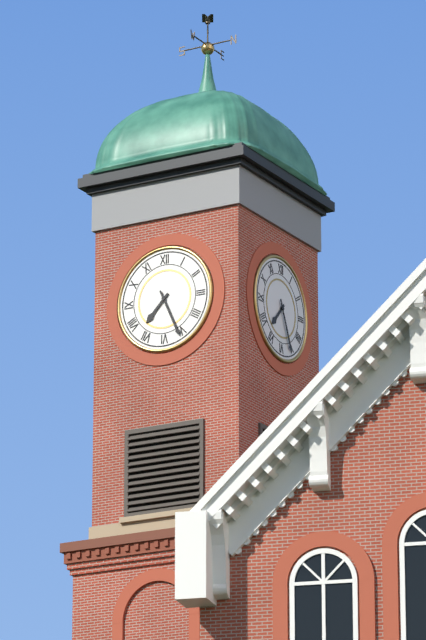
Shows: 7:26
